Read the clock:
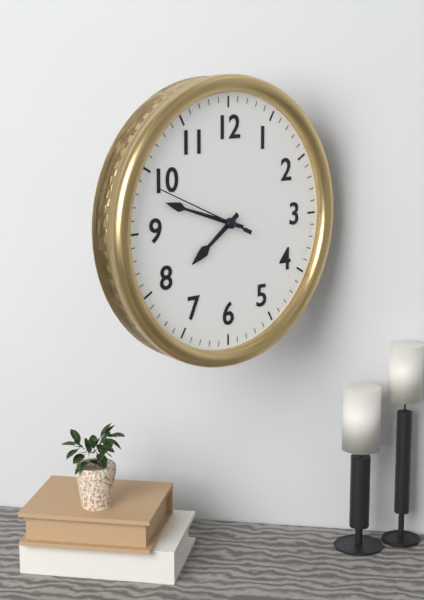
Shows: 7:48:49
